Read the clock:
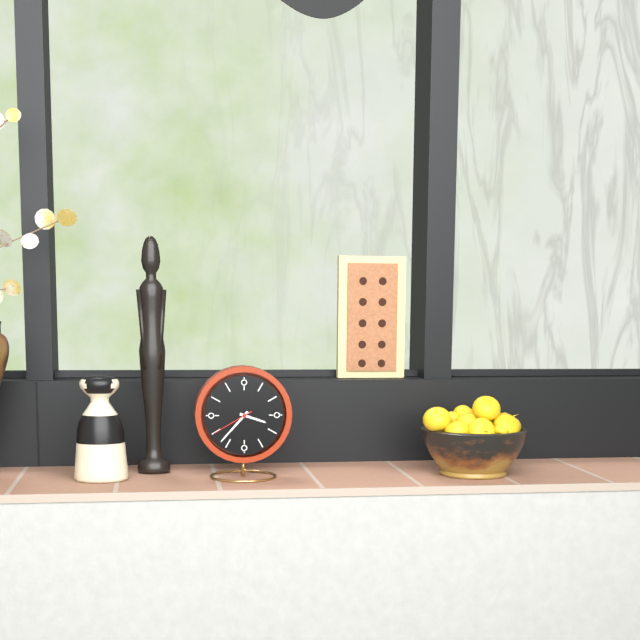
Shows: 3:37
